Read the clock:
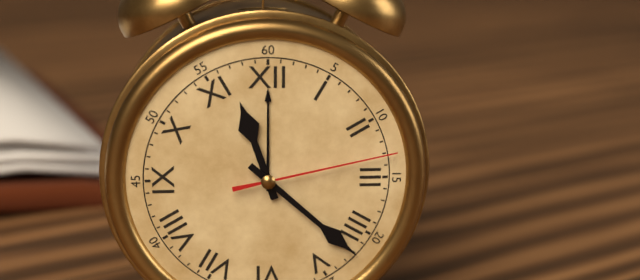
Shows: 11:22:13
